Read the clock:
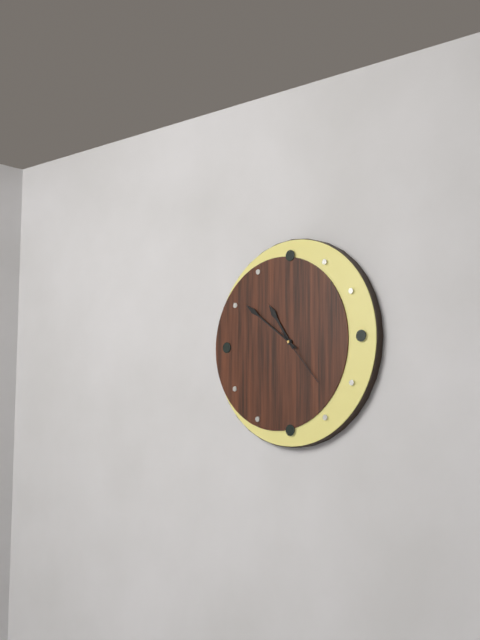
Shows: 10:51:23
